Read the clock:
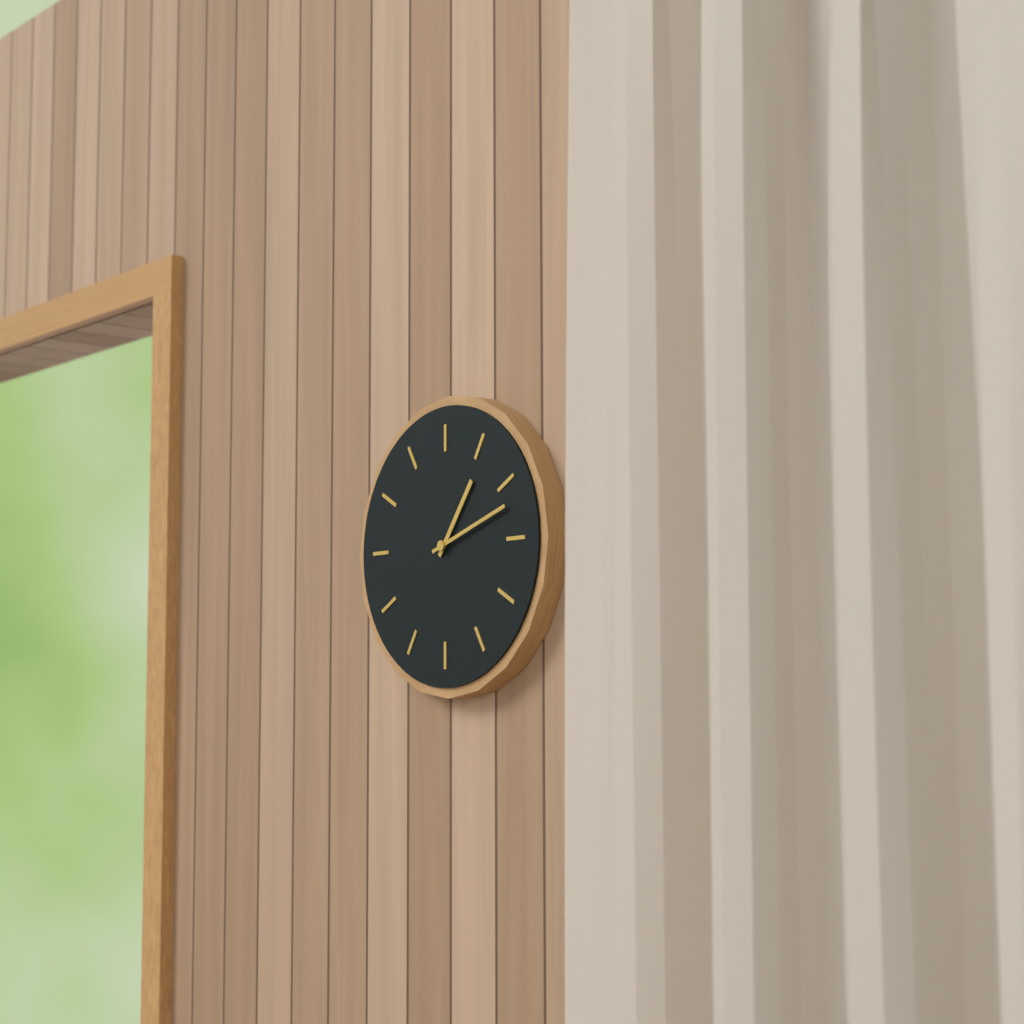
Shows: 1:12
